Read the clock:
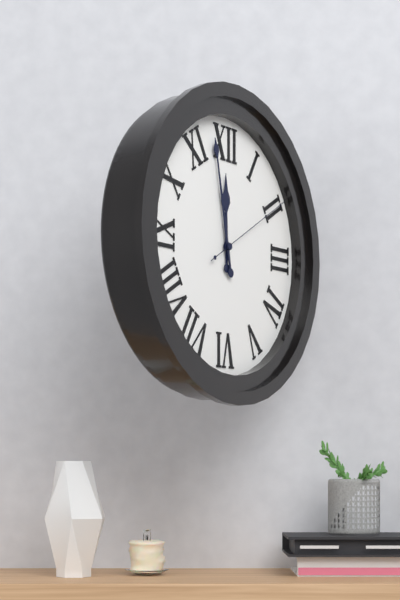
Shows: 11:58:10
